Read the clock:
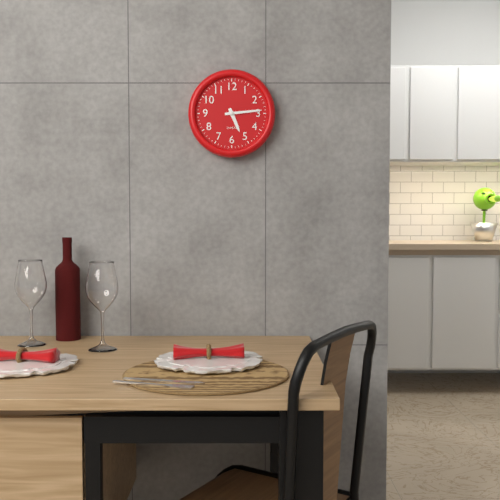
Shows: 5:14
